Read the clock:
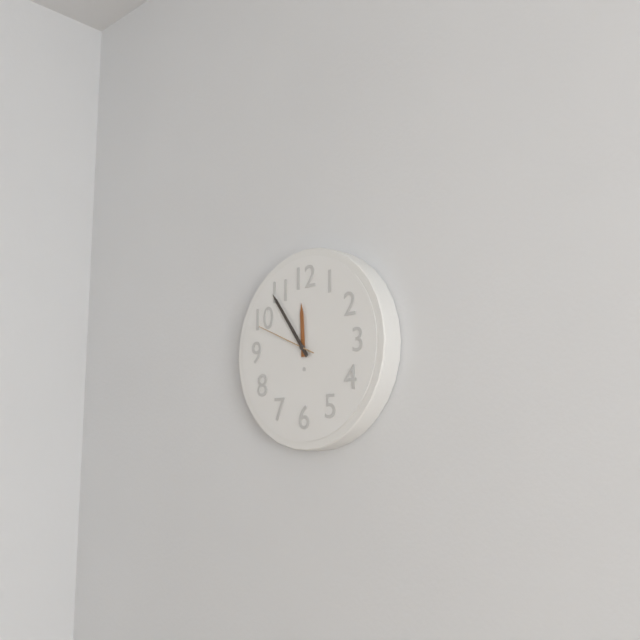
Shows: 11:54:49
